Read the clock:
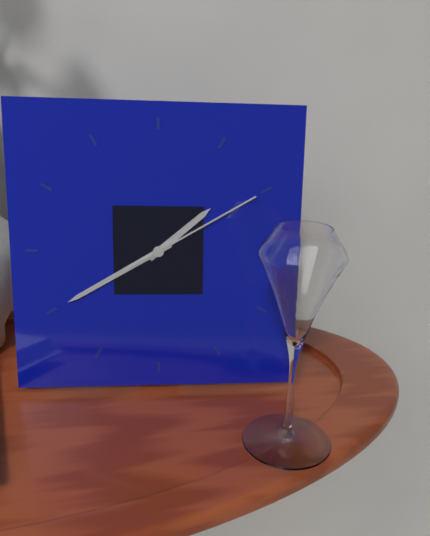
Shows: 1:40:10
